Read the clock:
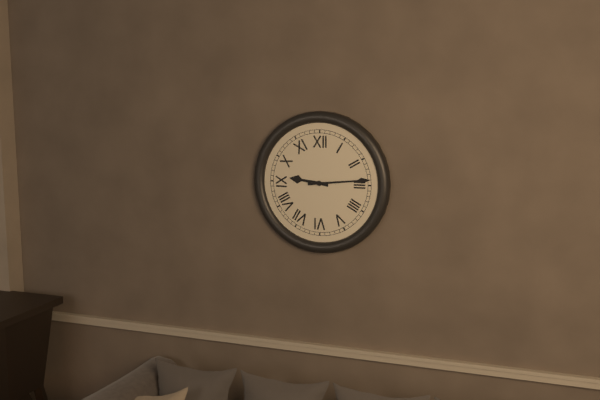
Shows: 9:14
